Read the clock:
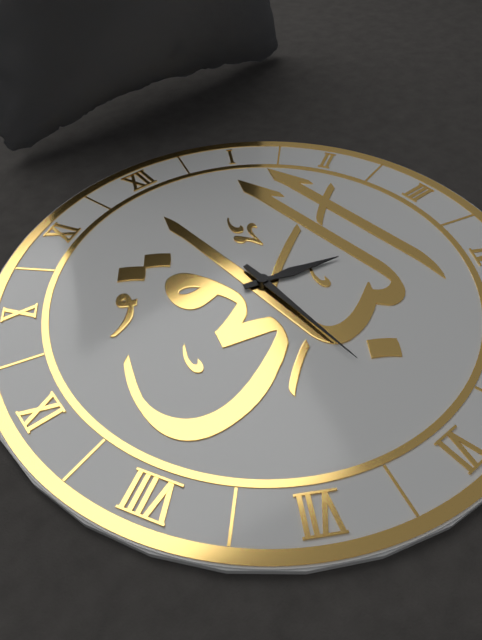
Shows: 3:30
